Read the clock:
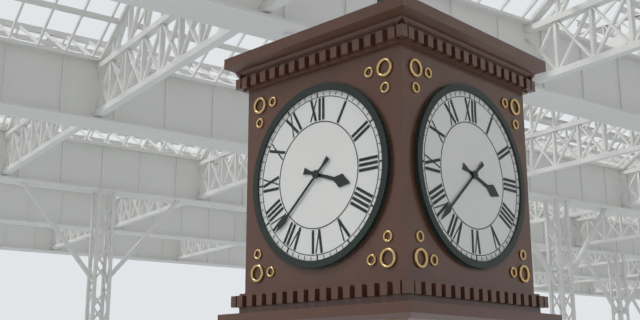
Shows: 3:38
